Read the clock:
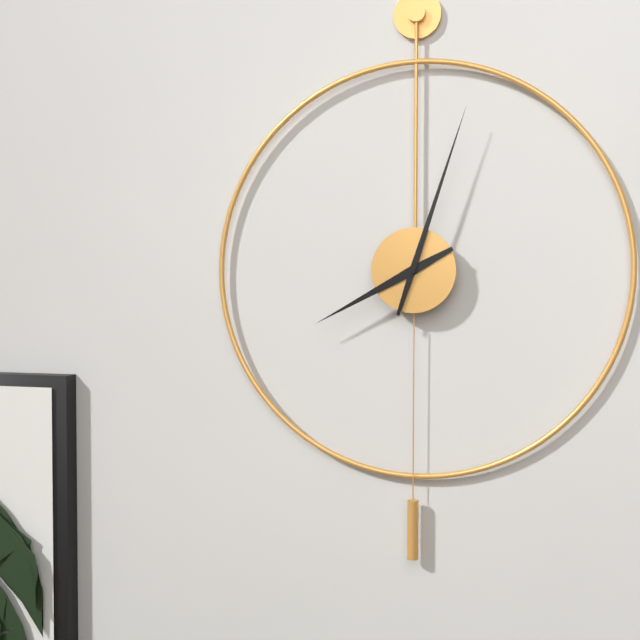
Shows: 8:03
